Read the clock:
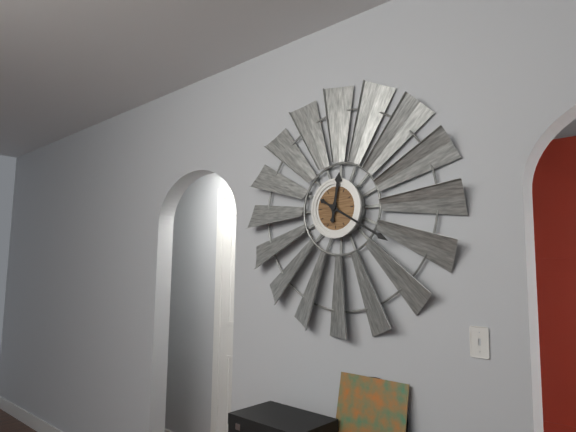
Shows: 12:20
